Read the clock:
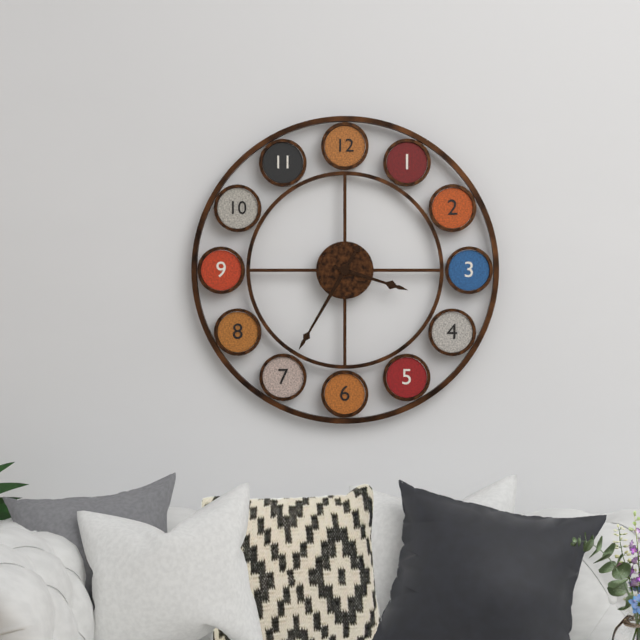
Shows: 3:35
